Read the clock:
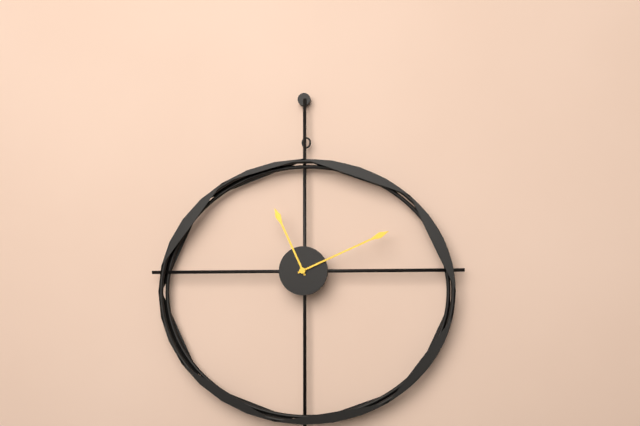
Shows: 11:11
